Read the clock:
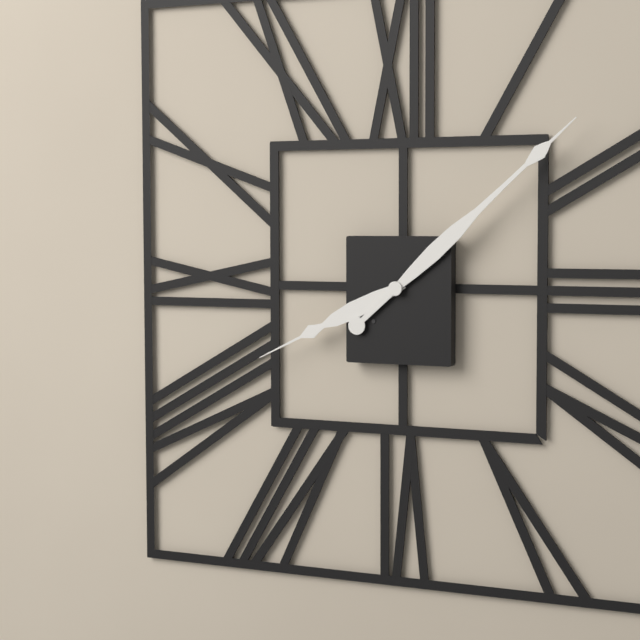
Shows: 8:08
